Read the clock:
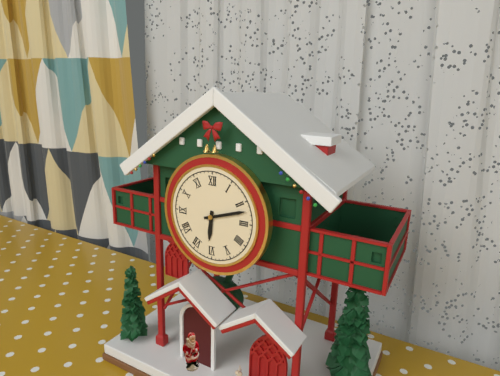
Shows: 6:12
